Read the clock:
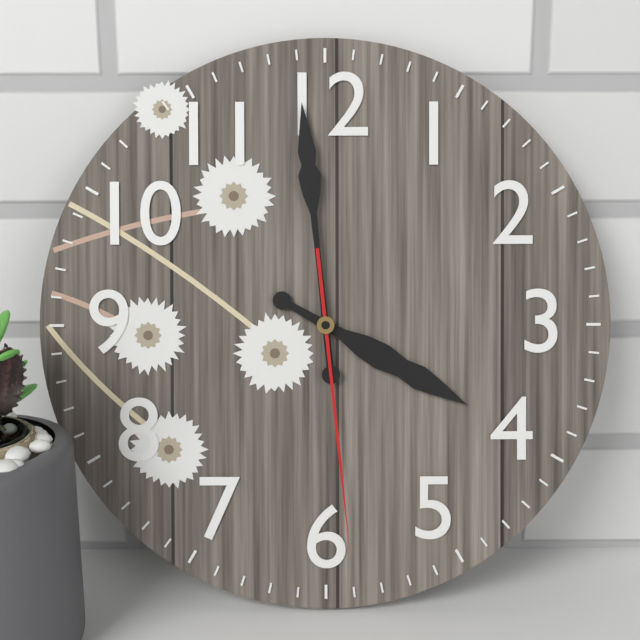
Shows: 3:59:29
